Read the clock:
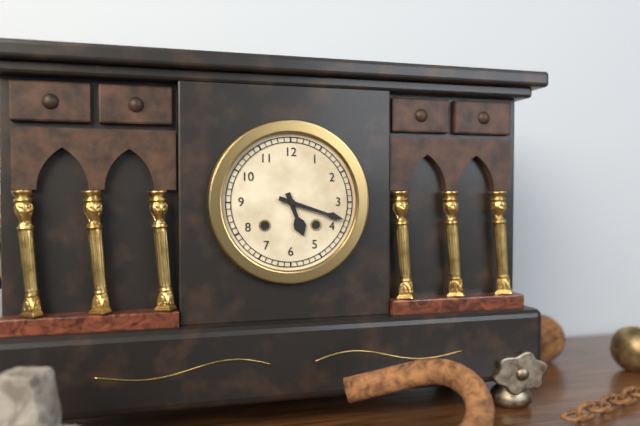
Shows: 5:18
